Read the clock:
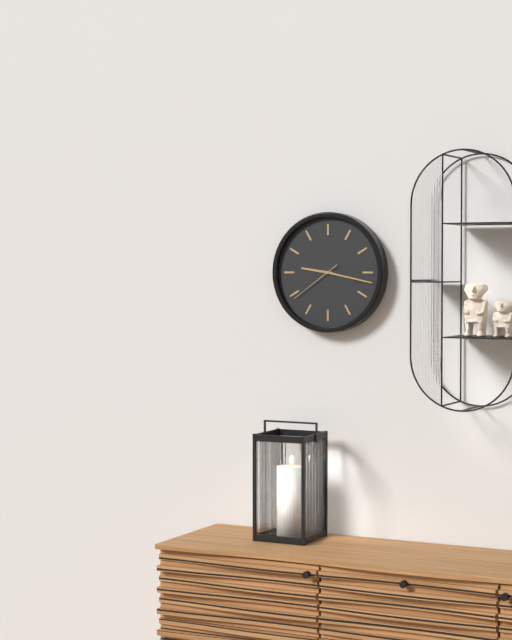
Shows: 9:17:39
